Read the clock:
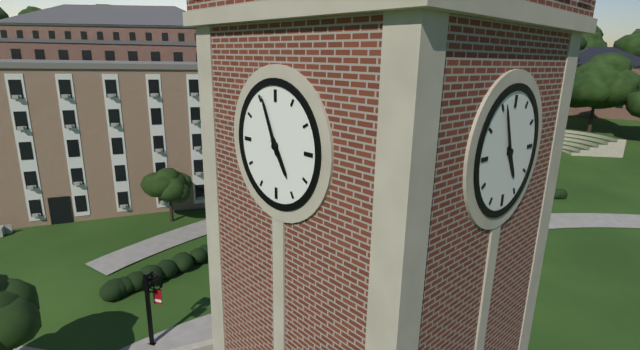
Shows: 4:56
